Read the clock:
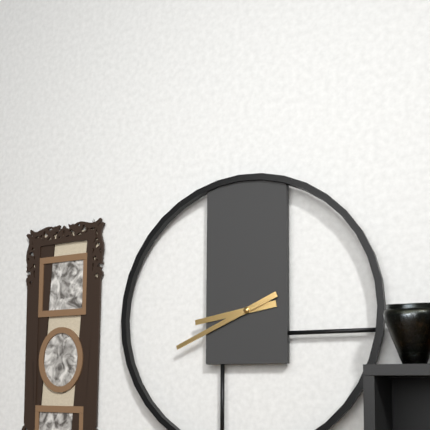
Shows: 8:41
